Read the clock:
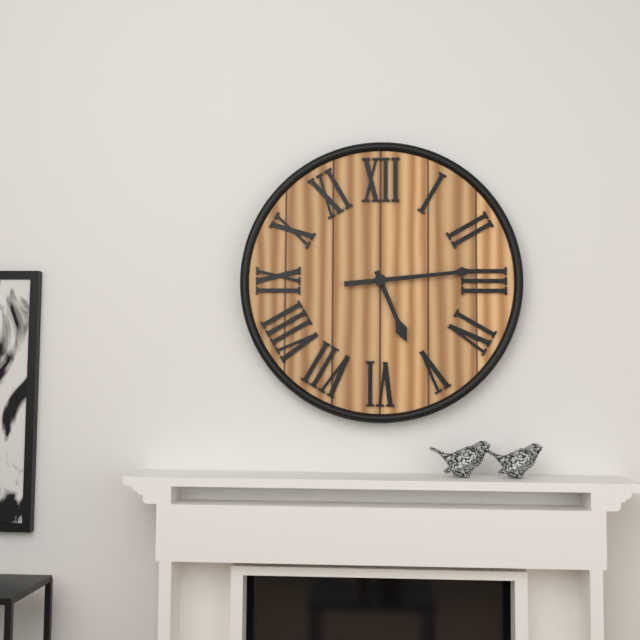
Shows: 5:14
